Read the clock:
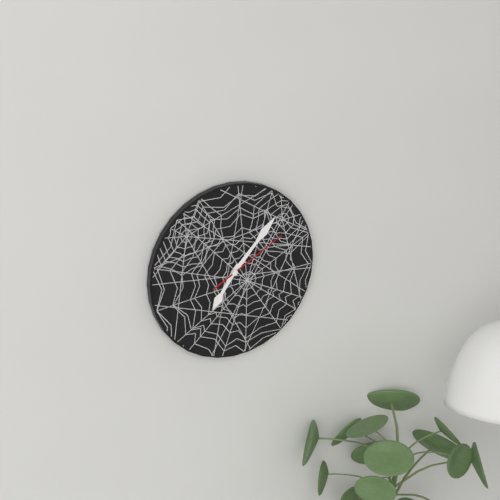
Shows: 7:07:10
